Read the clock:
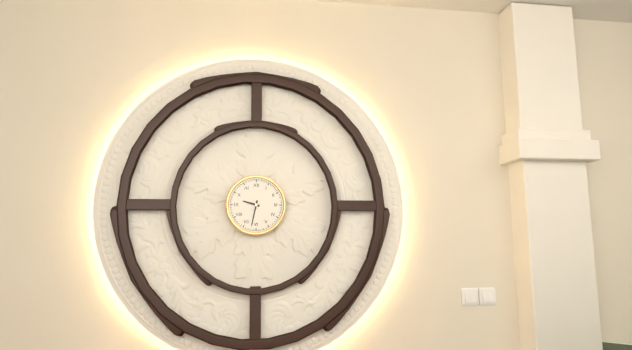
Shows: 9:32
